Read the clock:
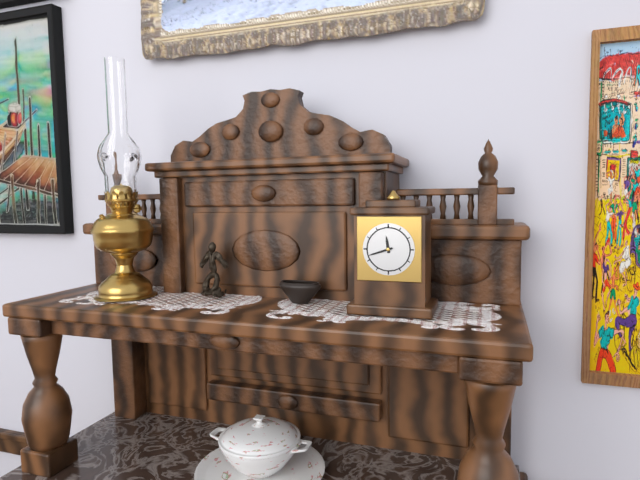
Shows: 11:42
